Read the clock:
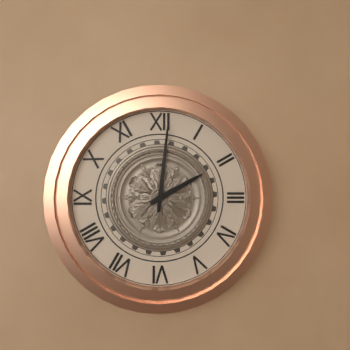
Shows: 2:01
